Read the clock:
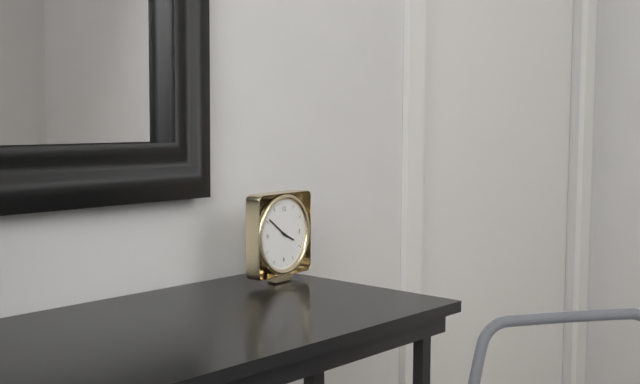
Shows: 3:51
